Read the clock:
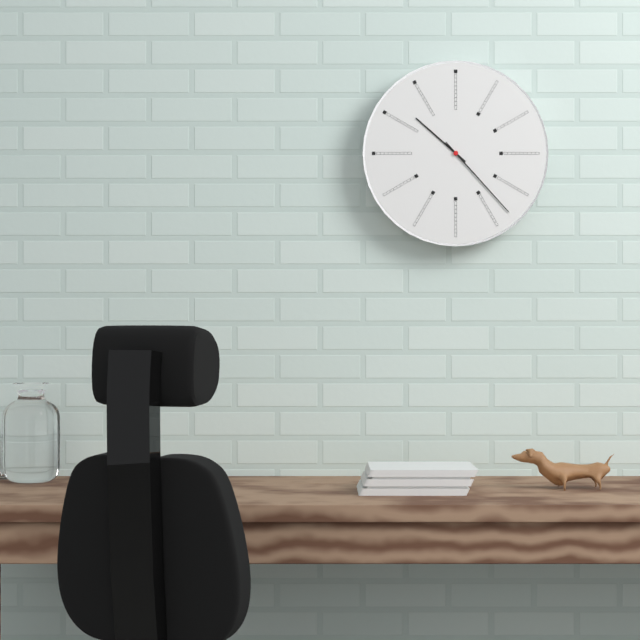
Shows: 10:23
